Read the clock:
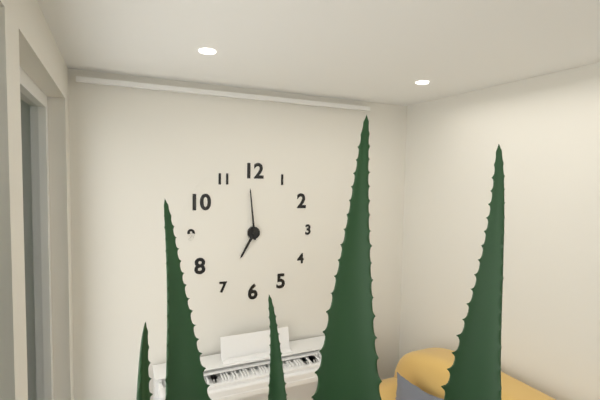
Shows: 6:59
